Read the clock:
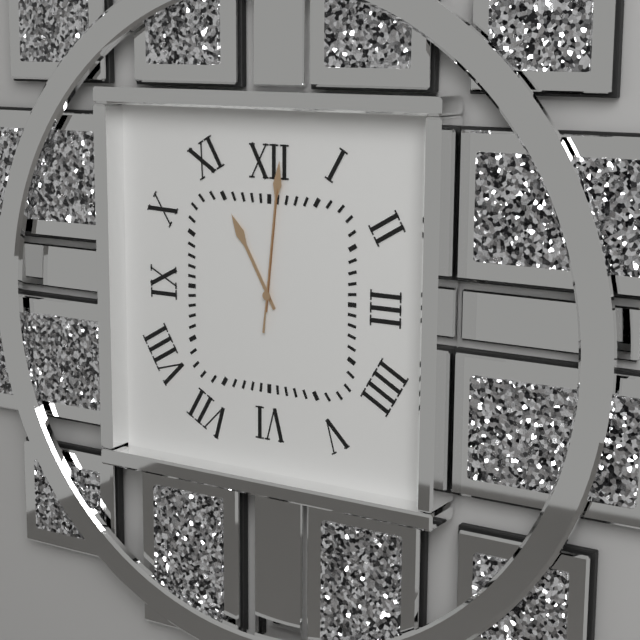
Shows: 11:01:01
